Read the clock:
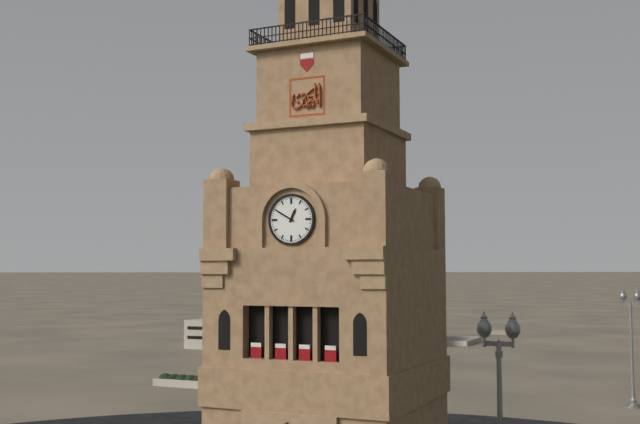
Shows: 12:50
